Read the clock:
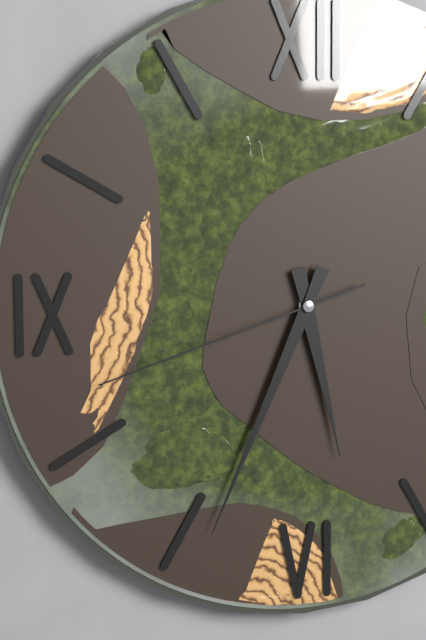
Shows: 5:34:42
